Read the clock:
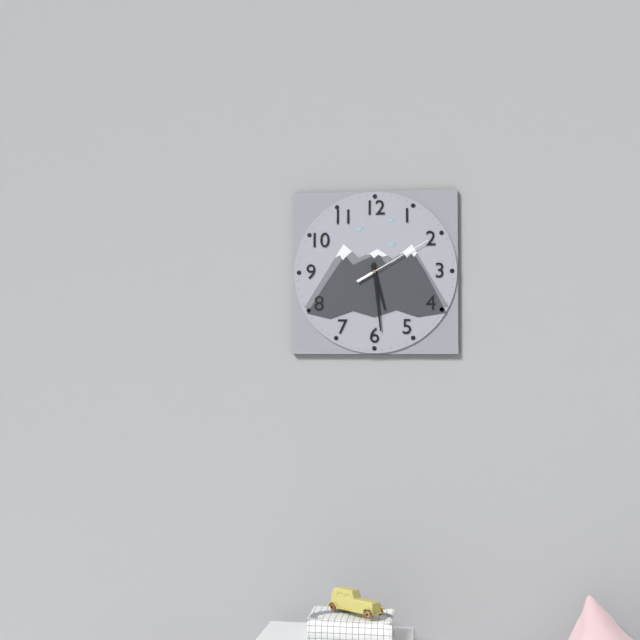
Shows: 5:29:10
